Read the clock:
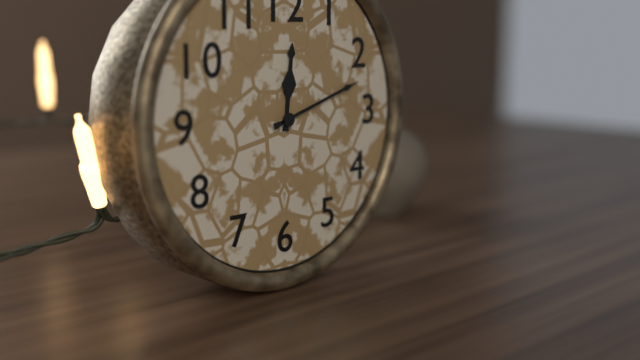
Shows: 12:12
